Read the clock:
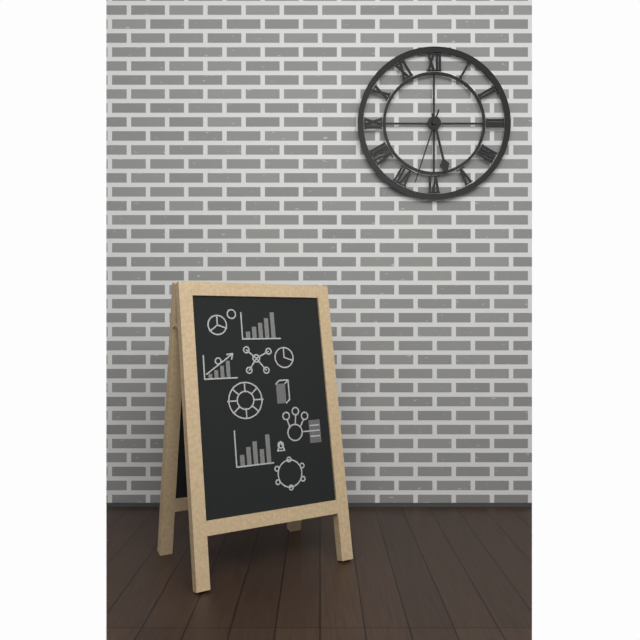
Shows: 5:33
